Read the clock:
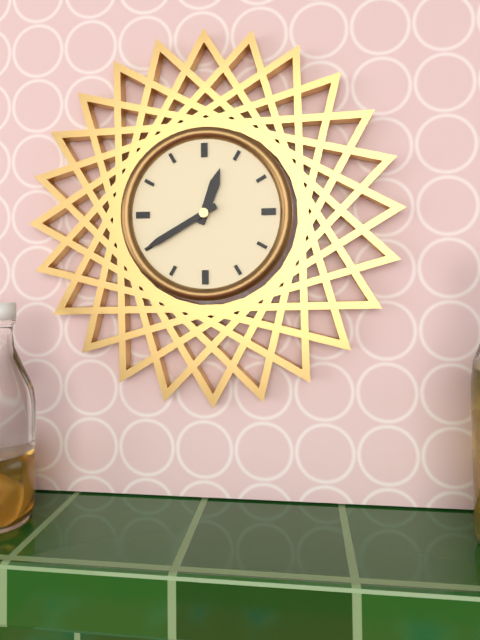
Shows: 12:40
